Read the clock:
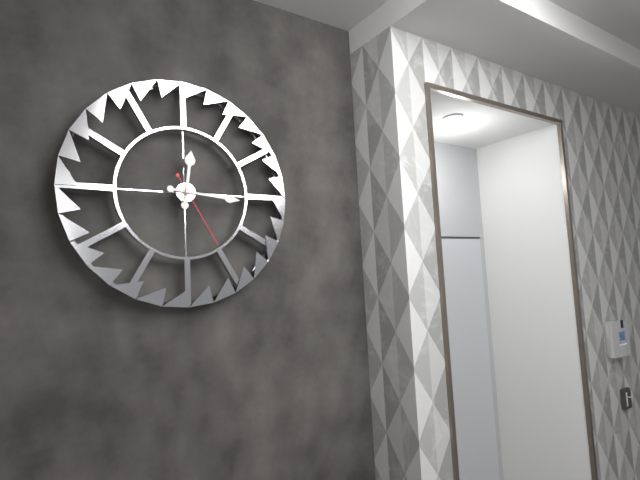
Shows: 12:16:25
